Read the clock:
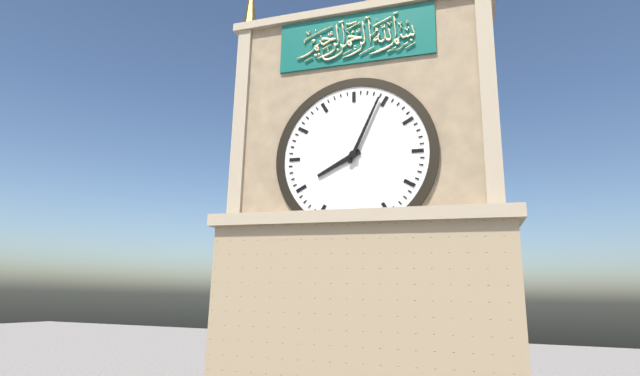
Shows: 8:04
